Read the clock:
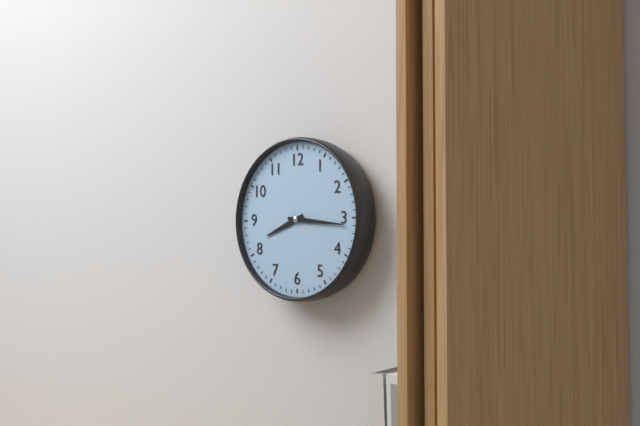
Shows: 8:16
